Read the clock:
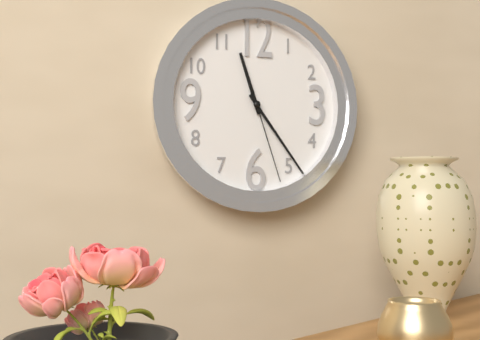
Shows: 11:24:27
